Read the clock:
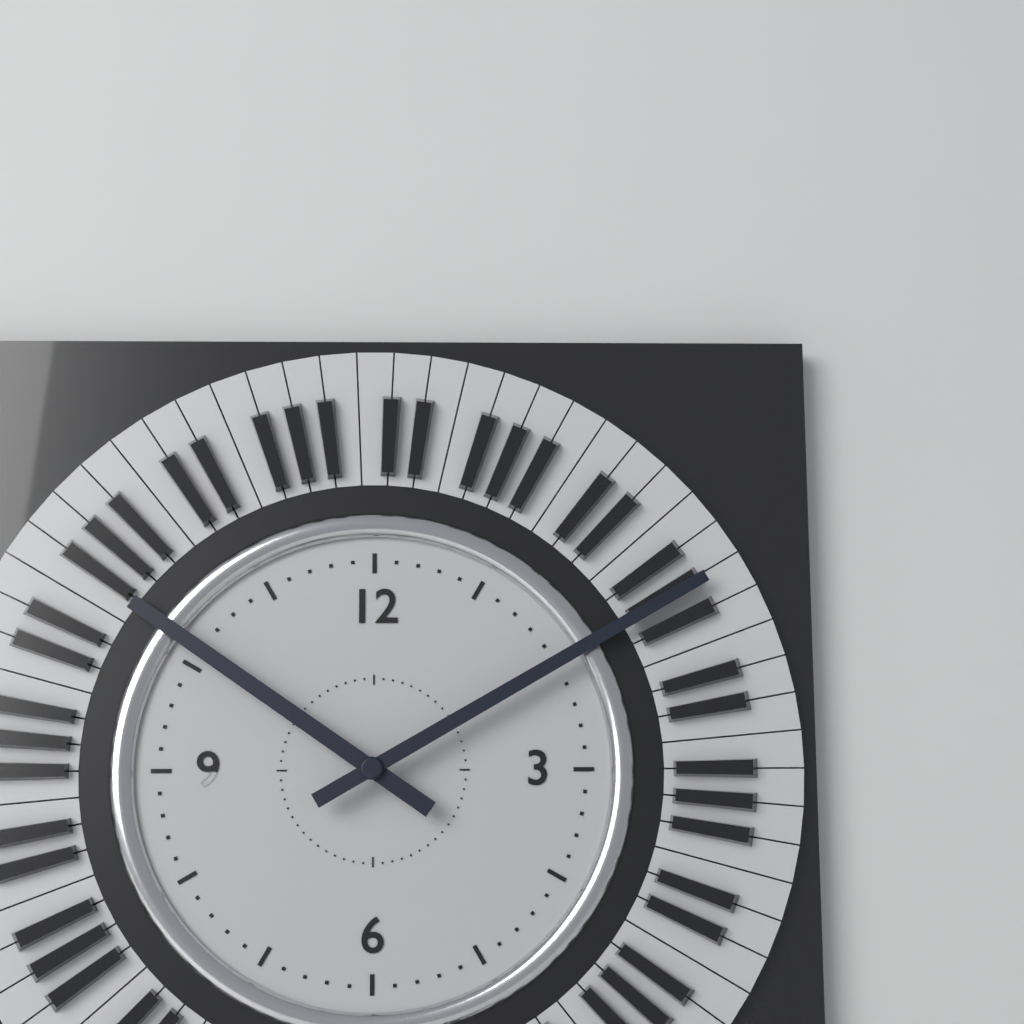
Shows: 10:10
